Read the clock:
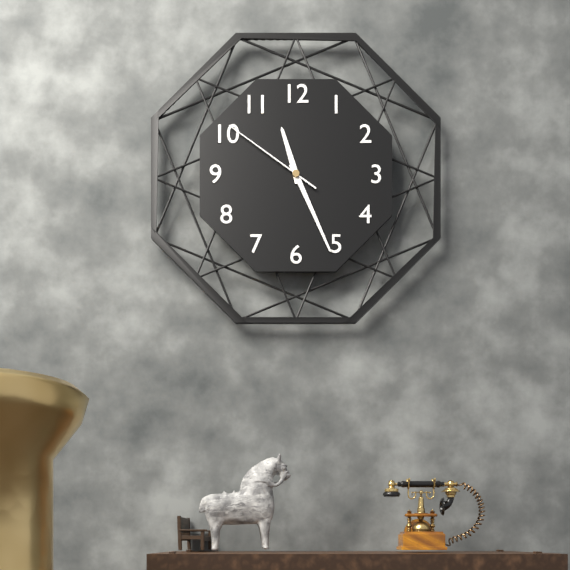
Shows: 11:26:51
